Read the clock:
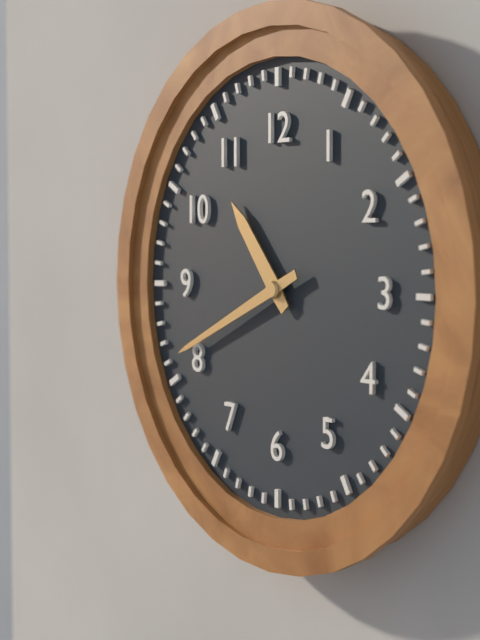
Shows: 10:41
